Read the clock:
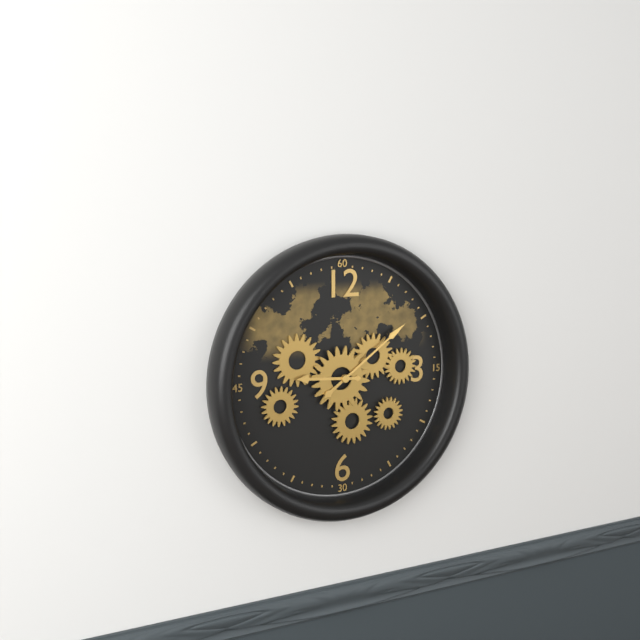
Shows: 9:09
